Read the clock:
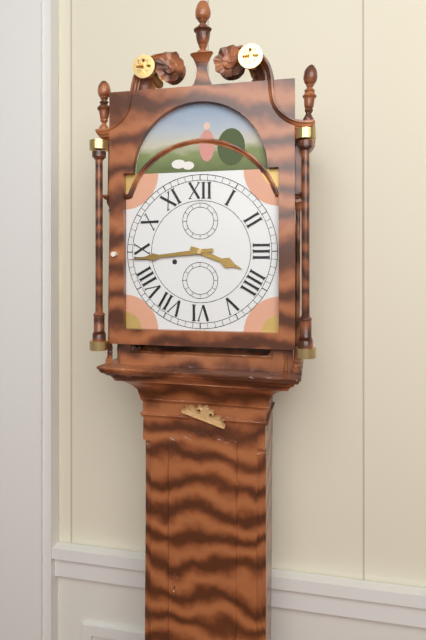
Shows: 3:44
